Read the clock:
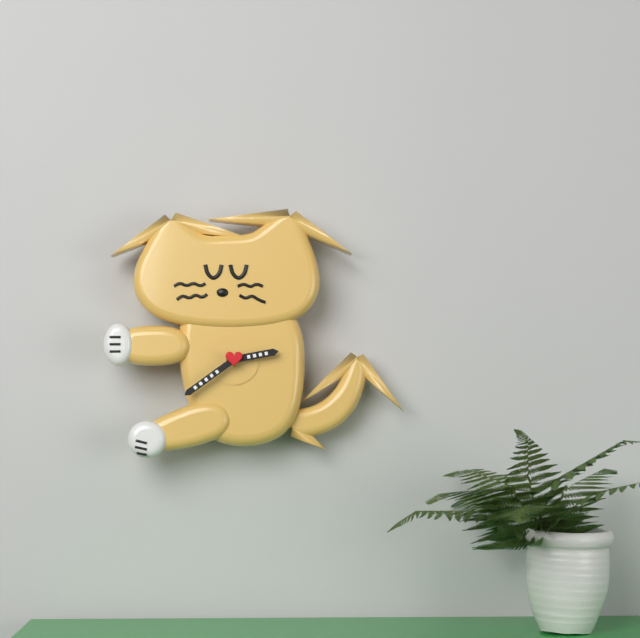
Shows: 2:39
